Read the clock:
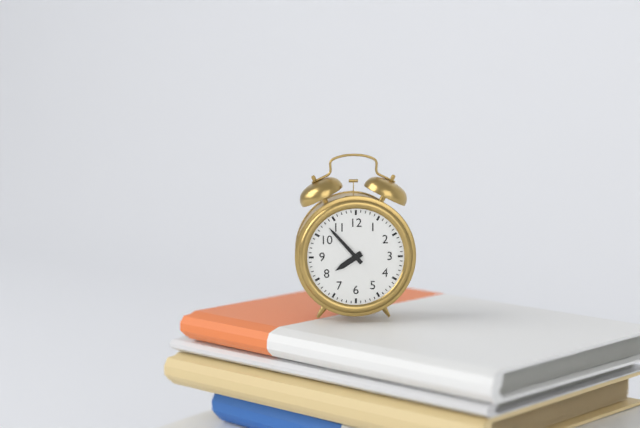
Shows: 7:53
